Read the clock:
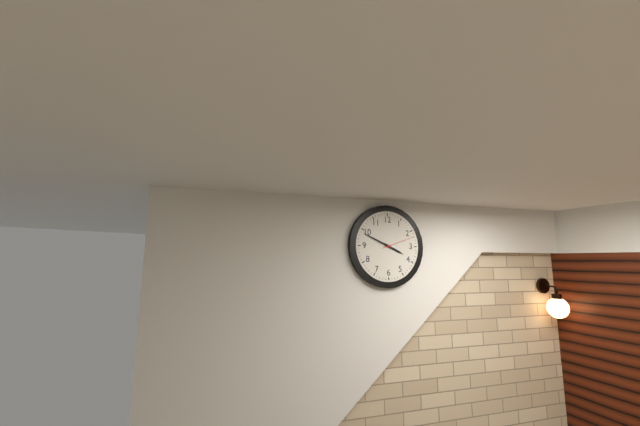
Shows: 3:49
